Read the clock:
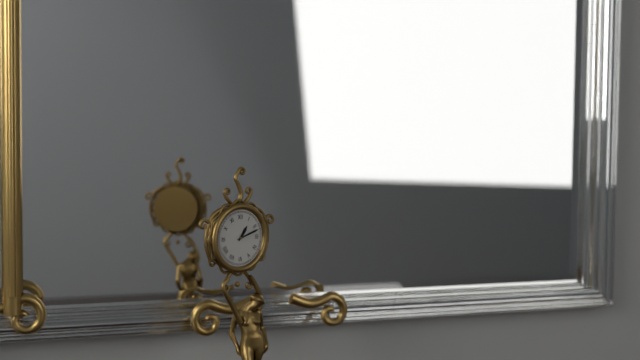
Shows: 1:12
